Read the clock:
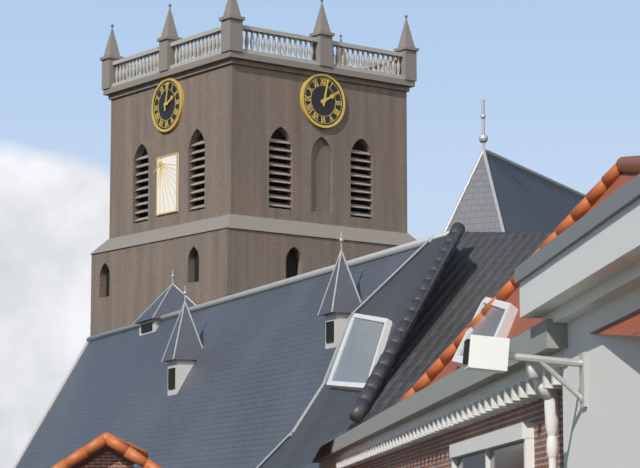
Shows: 2:02
